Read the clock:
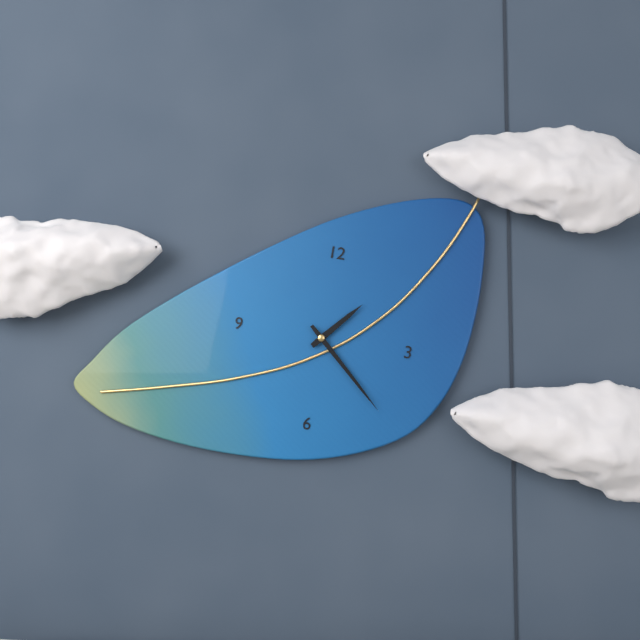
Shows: 1:22
